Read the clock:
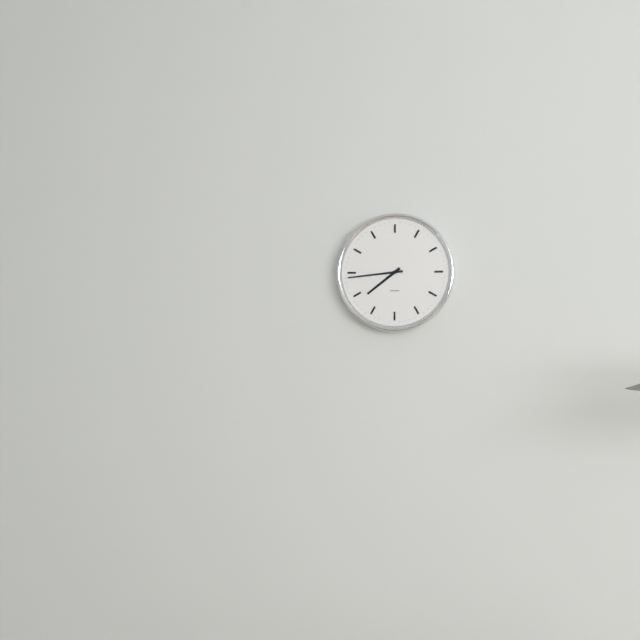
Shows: 7:44
